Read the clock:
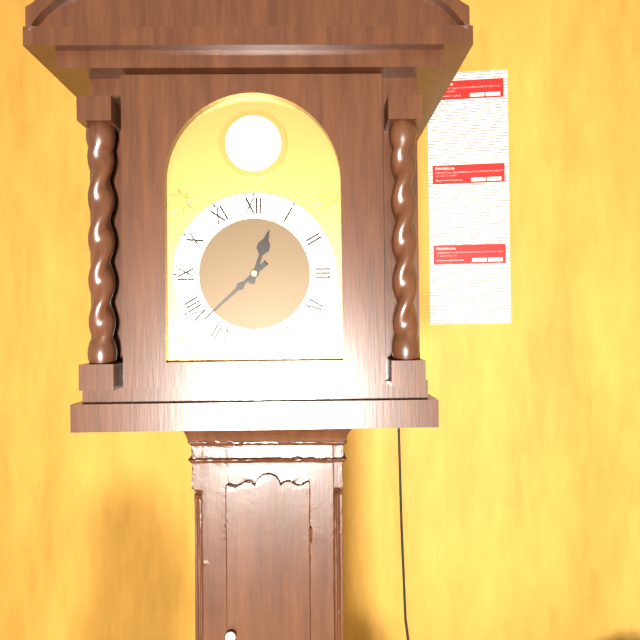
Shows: 12:38
